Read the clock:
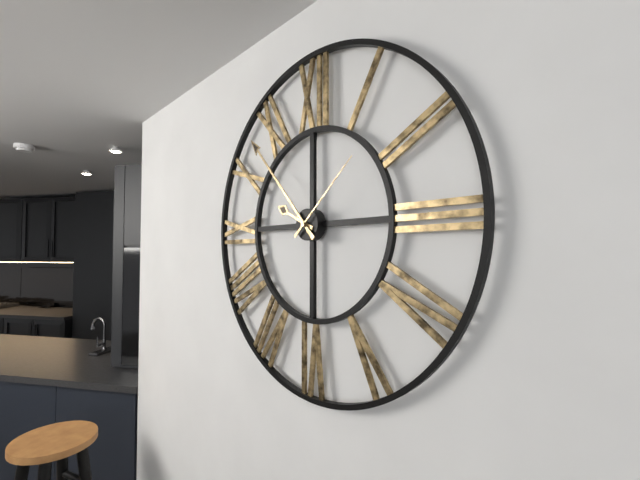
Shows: 9:53:08
